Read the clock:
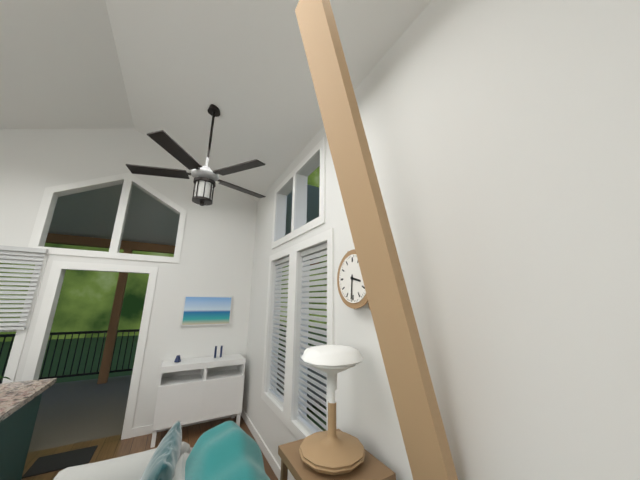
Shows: 3:31
